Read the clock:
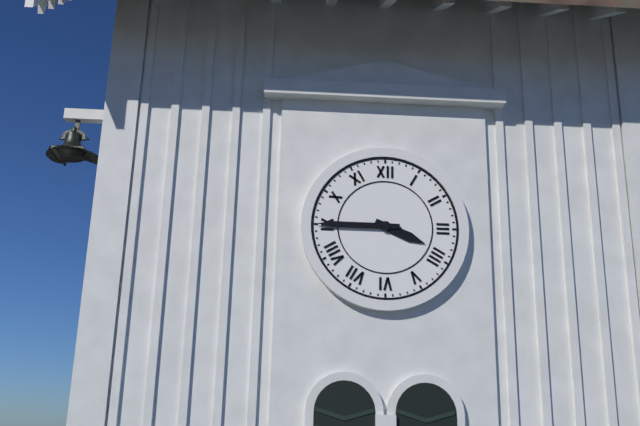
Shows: 3:45
